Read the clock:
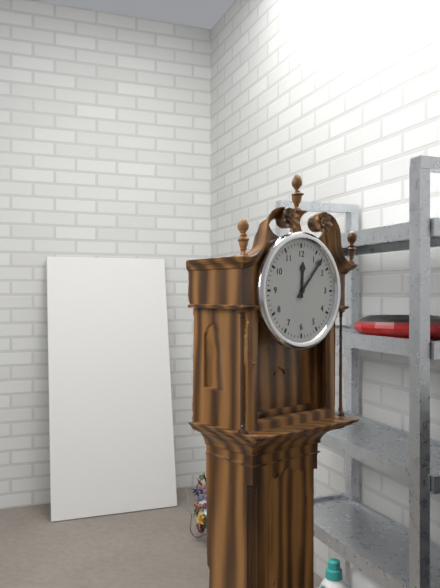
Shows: 12:07
